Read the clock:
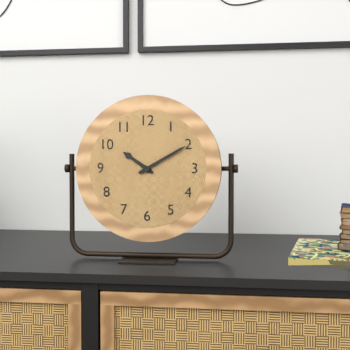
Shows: 10:10
